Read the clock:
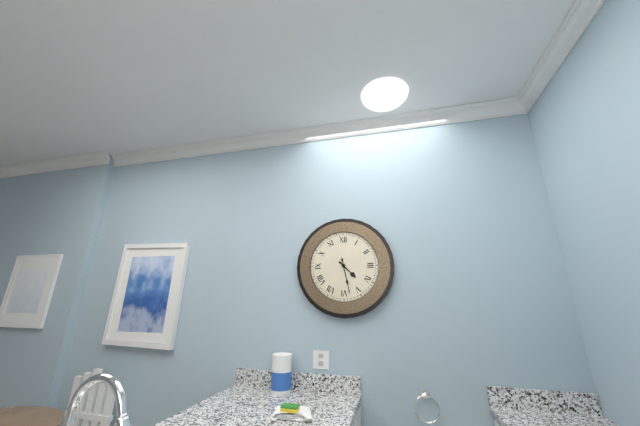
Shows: 4:28
